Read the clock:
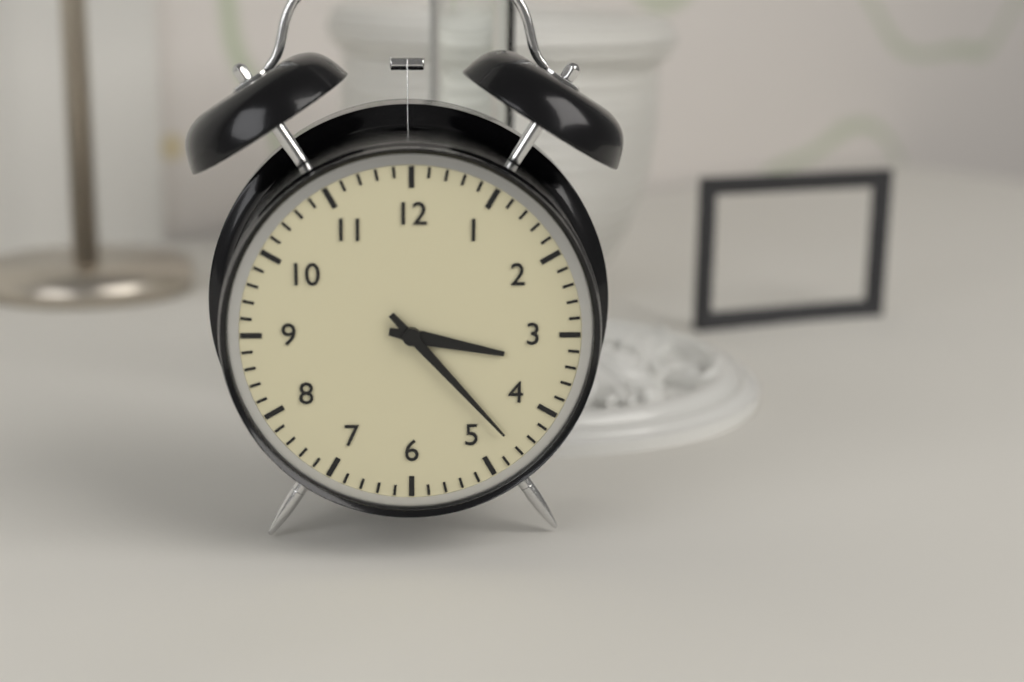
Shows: 3:23
